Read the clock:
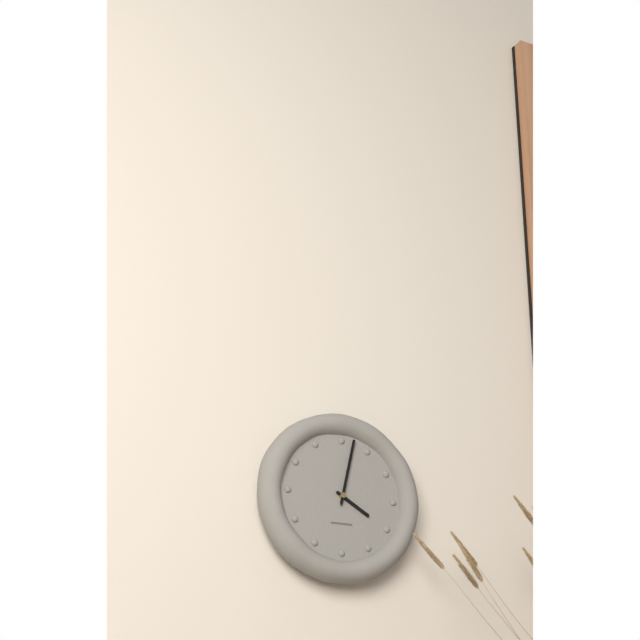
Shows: 4:02
